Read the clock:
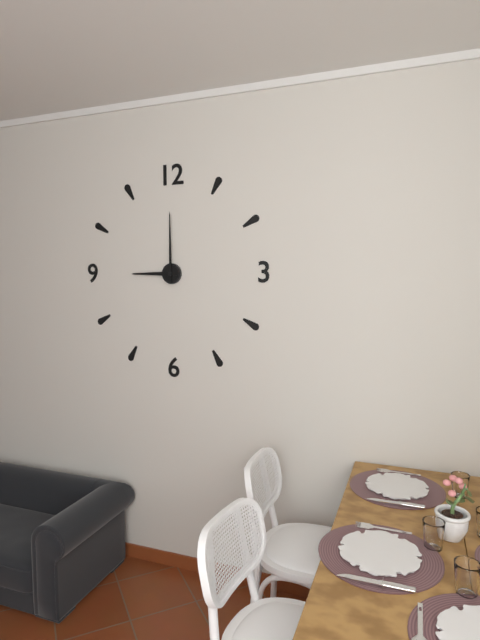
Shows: 9:00
